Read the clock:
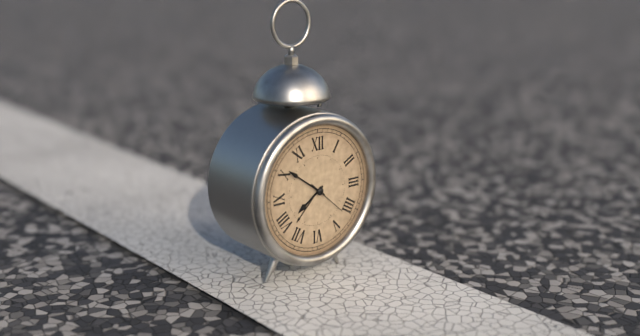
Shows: 7:51
